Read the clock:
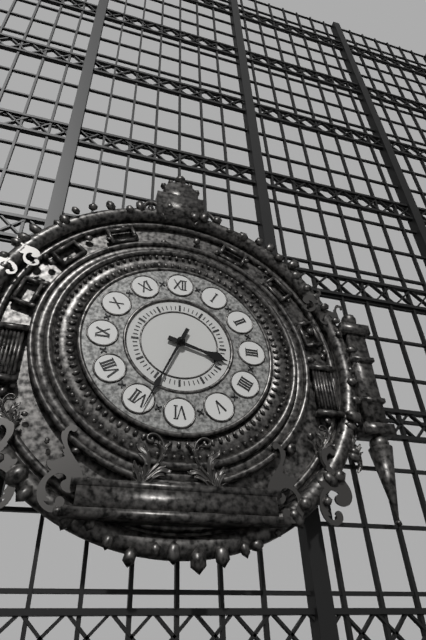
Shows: 3:34
